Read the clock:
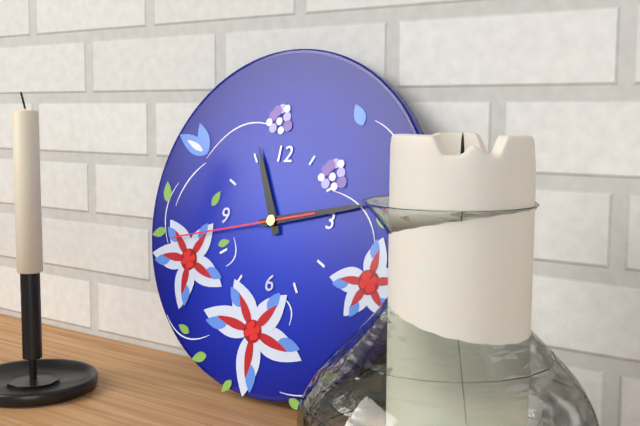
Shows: 11:13:43
